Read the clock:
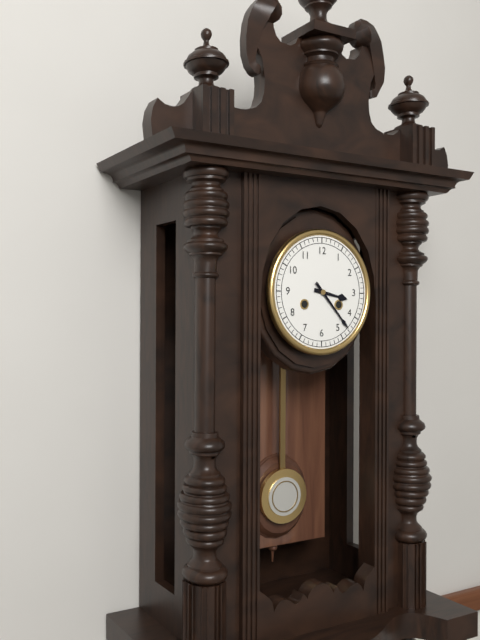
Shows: 3:23
